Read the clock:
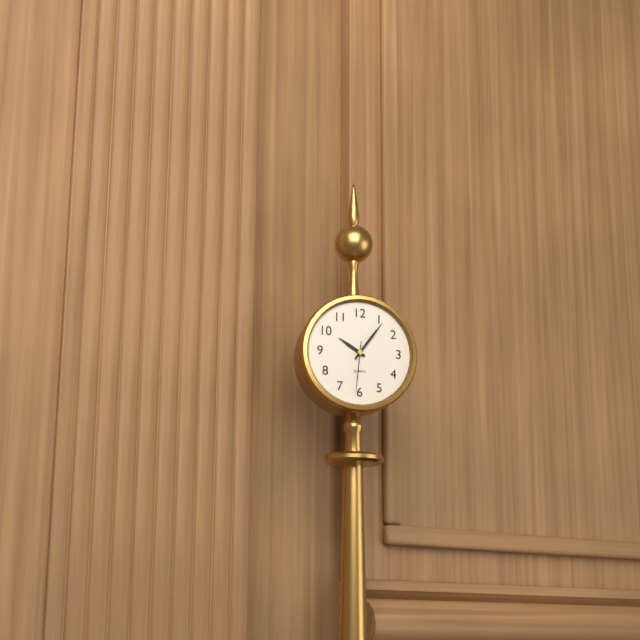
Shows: 10:06:31
